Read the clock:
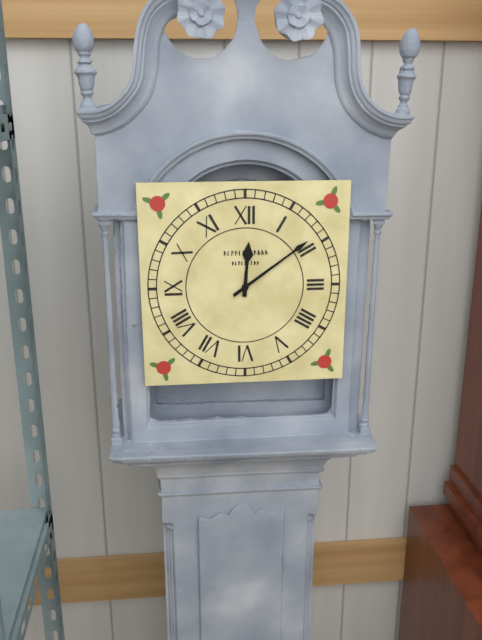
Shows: 12:09
